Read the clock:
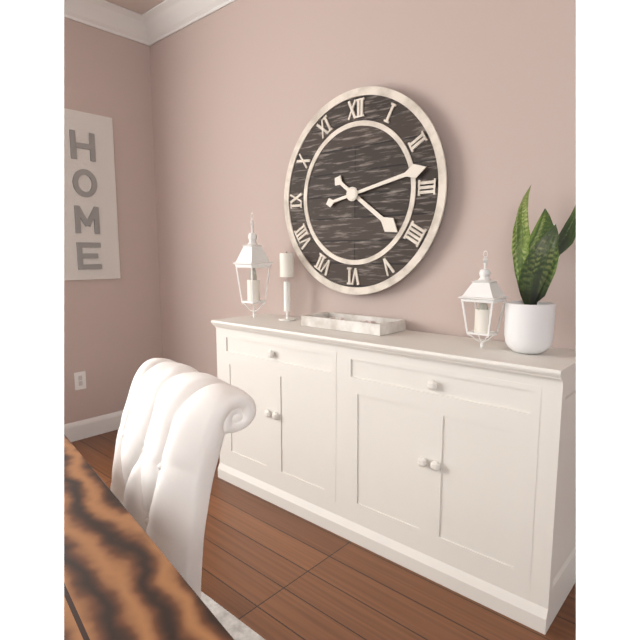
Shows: 4:13
